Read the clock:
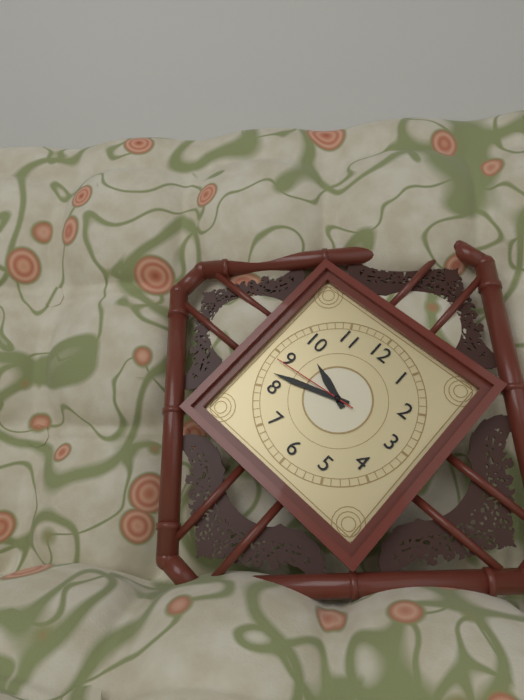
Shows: 9:42:44
